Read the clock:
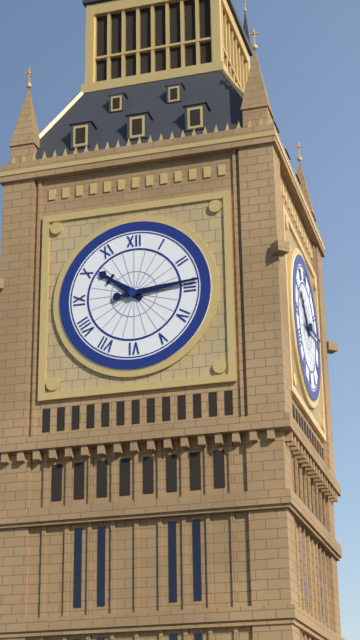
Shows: 10:14
